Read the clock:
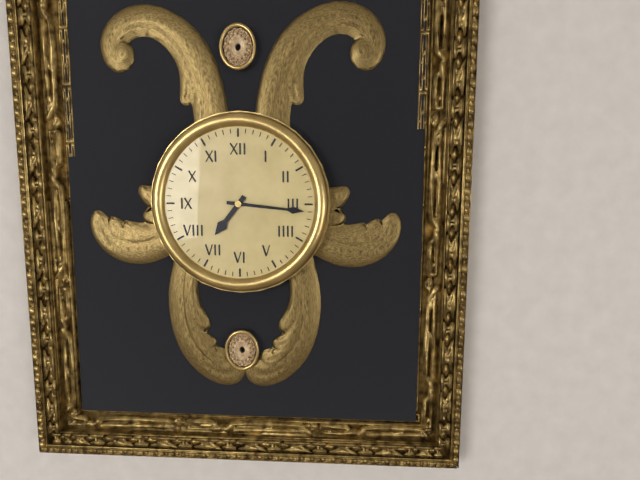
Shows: 7:16
